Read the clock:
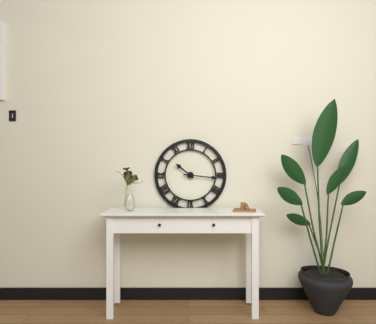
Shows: 10:16
